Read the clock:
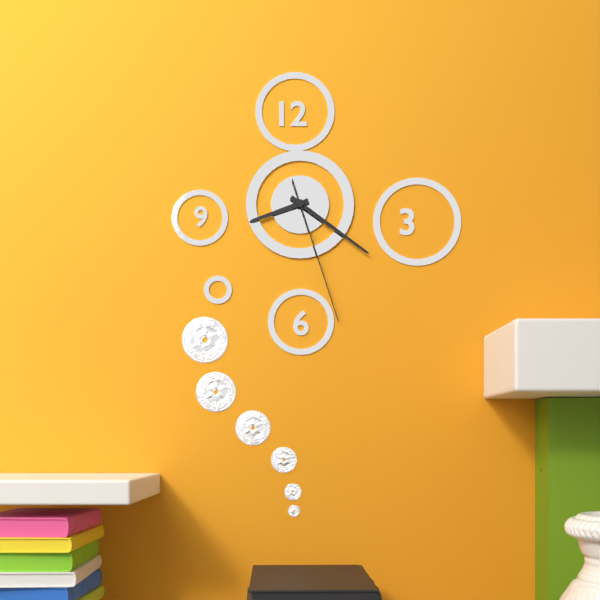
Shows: 8:21:27
